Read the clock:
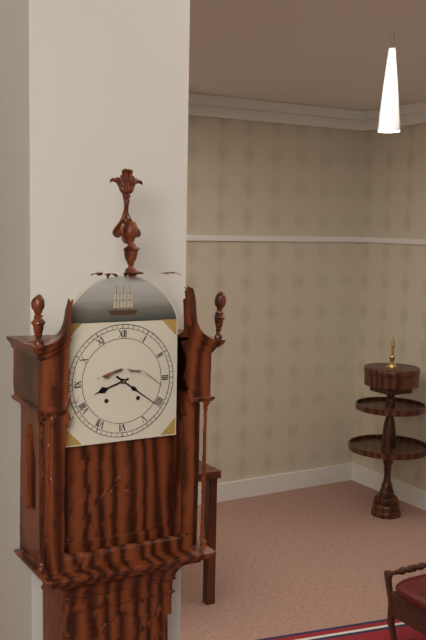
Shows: 8:21
